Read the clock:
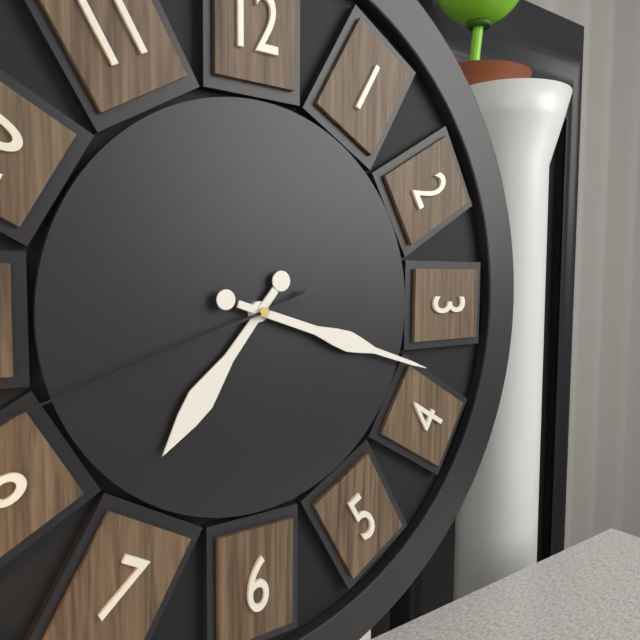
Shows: 7:18
